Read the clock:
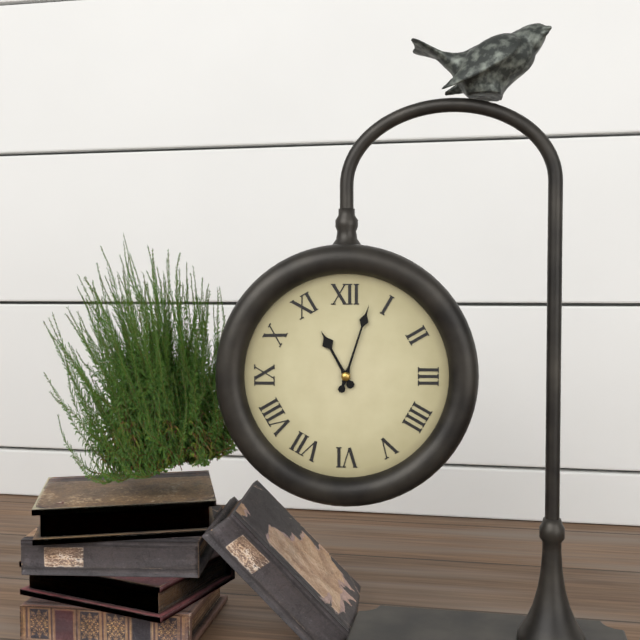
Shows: 11:03
